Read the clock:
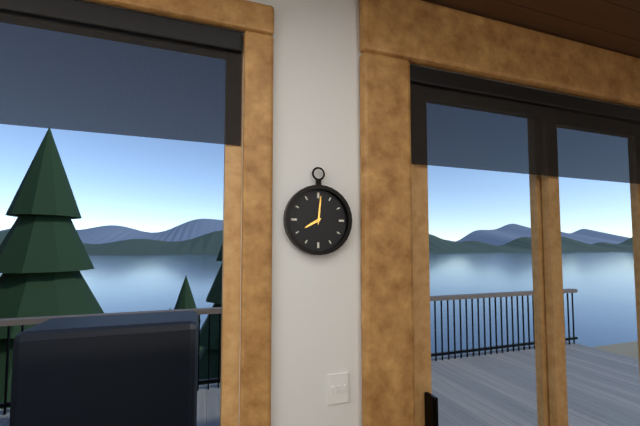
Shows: 8:01
